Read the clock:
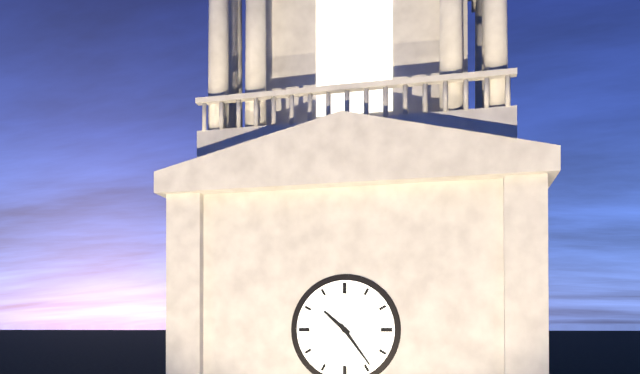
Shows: 10:24
